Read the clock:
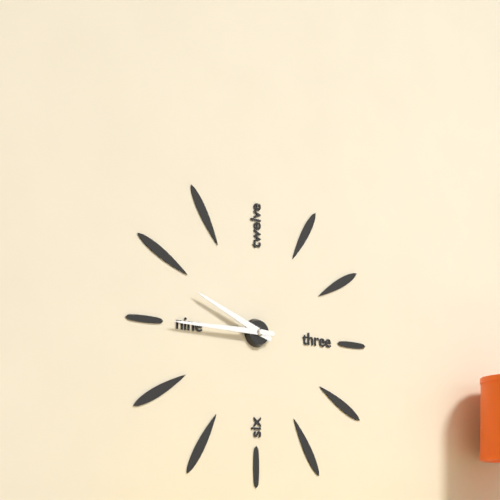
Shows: 9:45
